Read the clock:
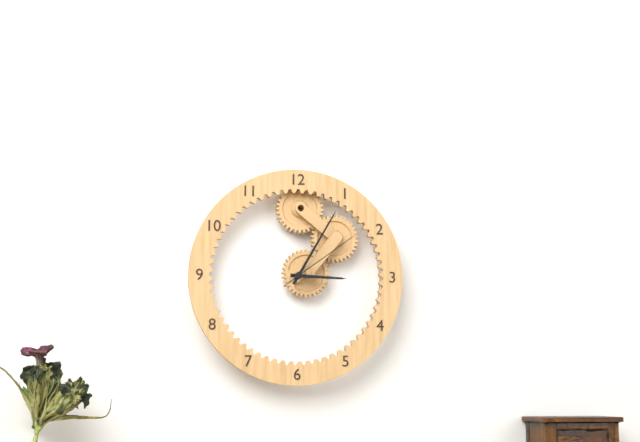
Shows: 3:05:09
